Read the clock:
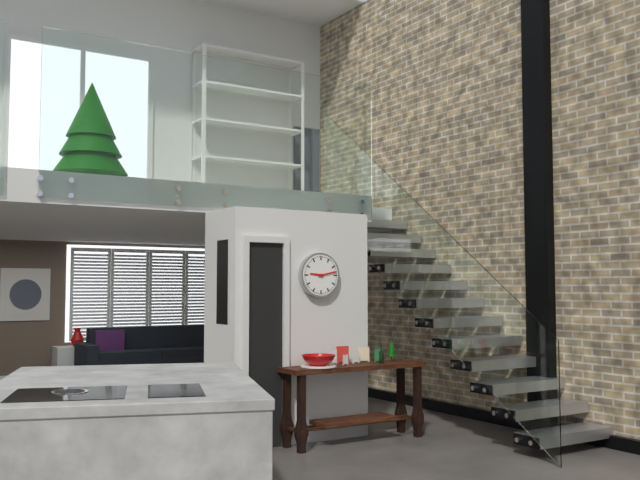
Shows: 9:13
